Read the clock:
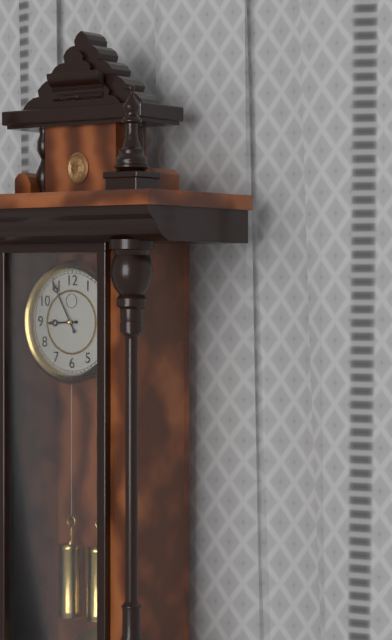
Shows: 8:55
